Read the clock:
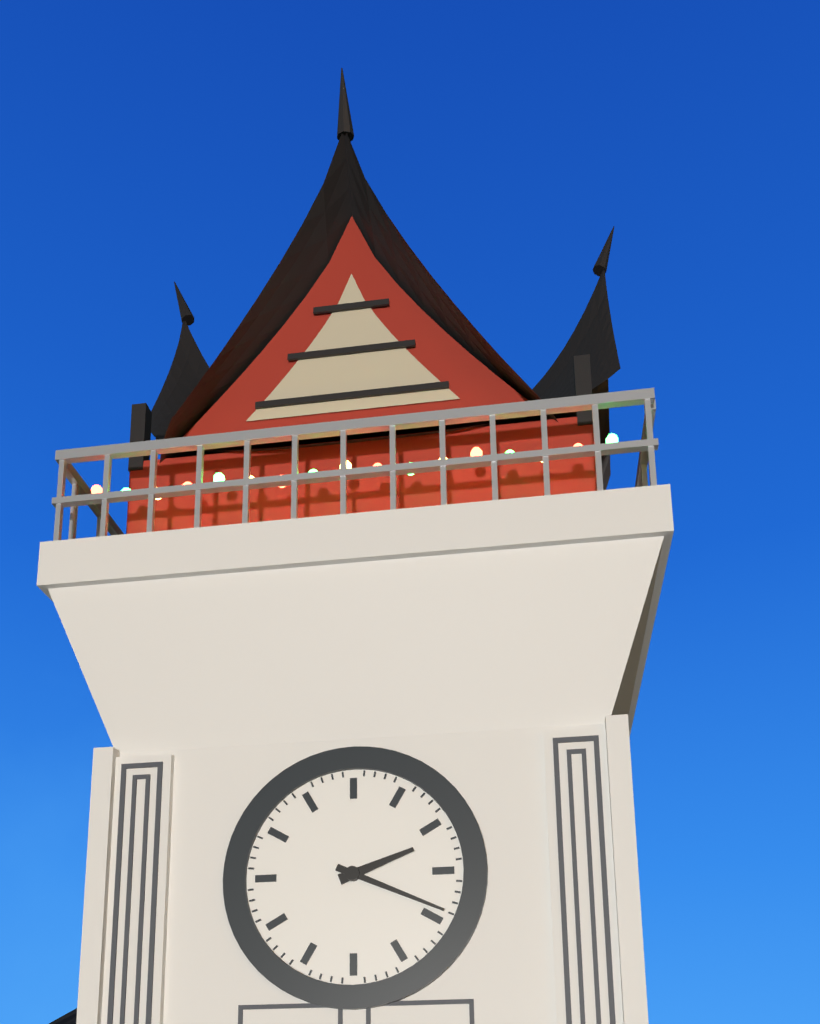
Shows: 2:19
